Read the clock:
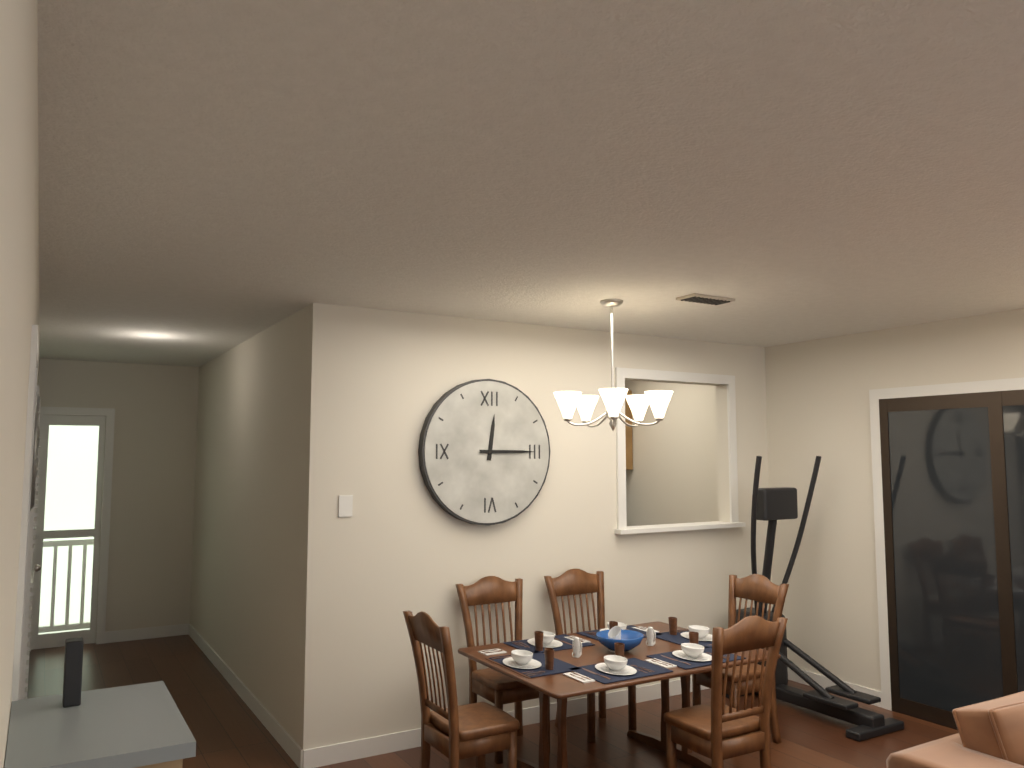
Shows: 12:15
